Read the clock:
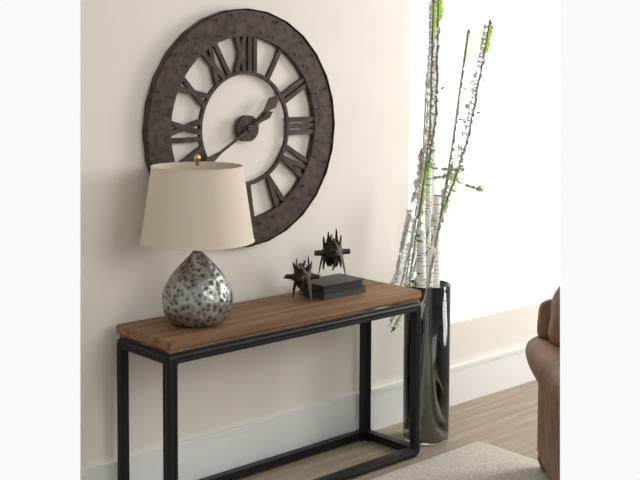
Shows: 1:40
